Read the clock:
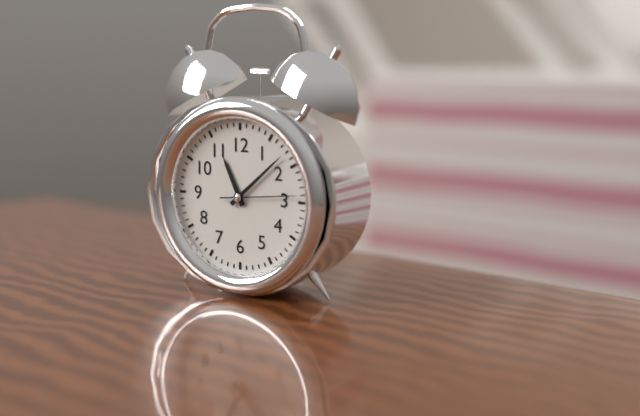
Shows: 11:08:14
